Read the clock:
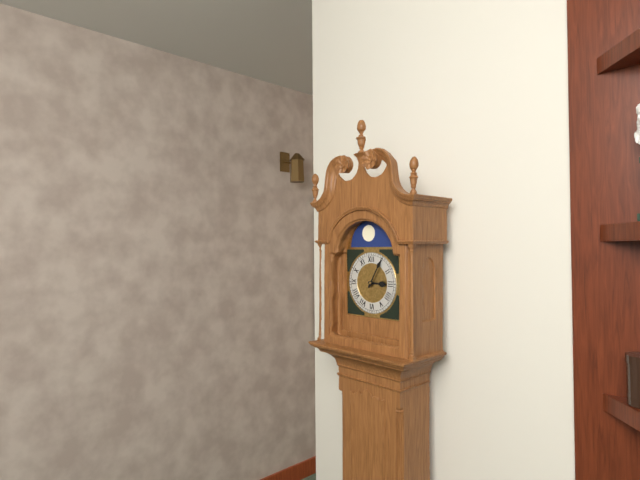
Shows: 3:05
